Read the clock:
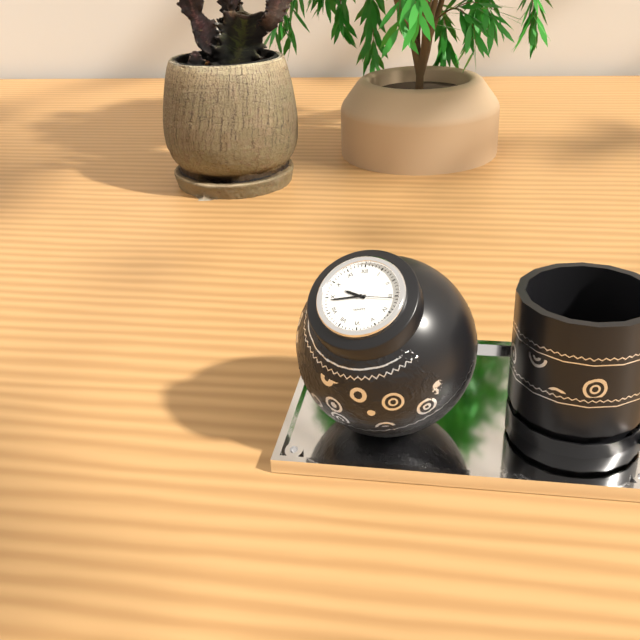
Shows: 9:44:16
